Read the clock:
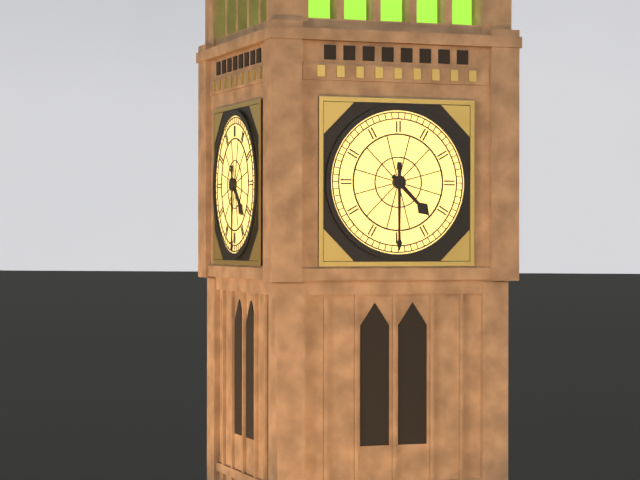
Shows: 4:30
